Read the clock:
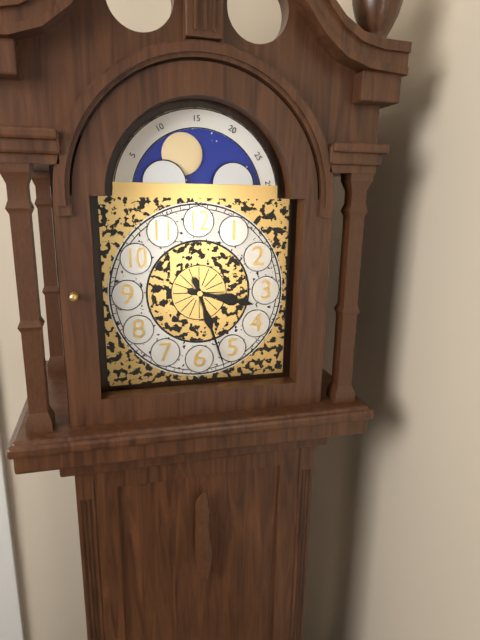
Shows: 3:27
